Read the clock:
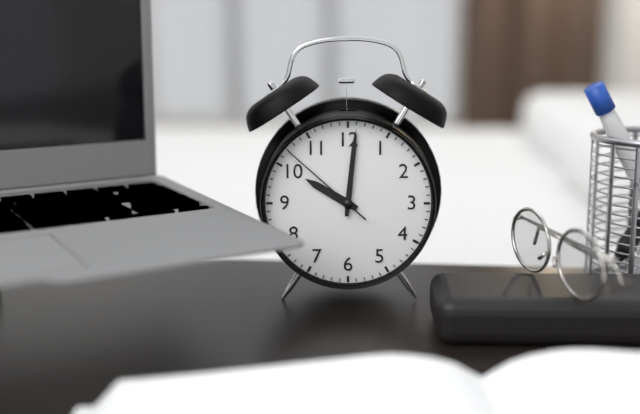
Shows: 10:01:52
